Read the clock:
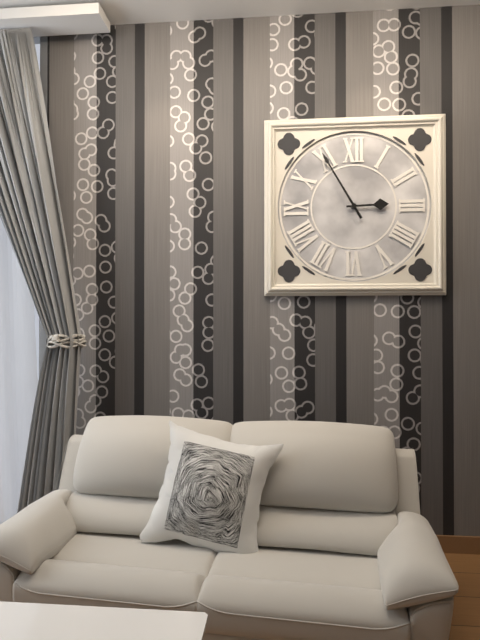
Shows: 2:55
